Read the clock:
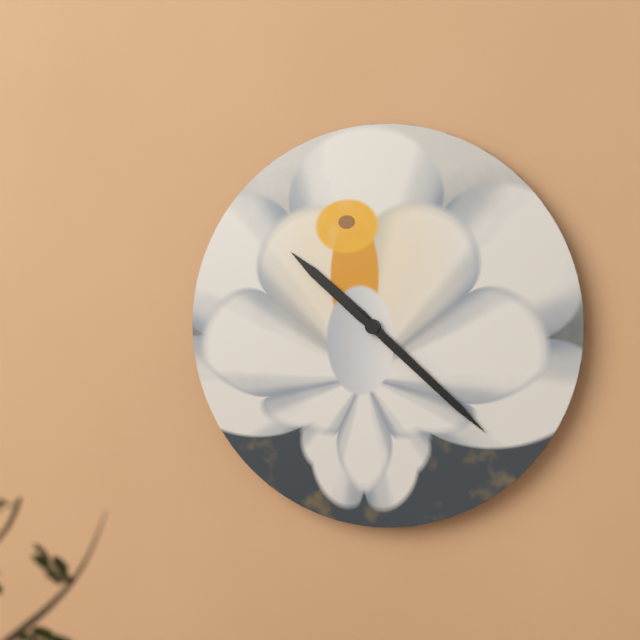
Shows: 10:22
